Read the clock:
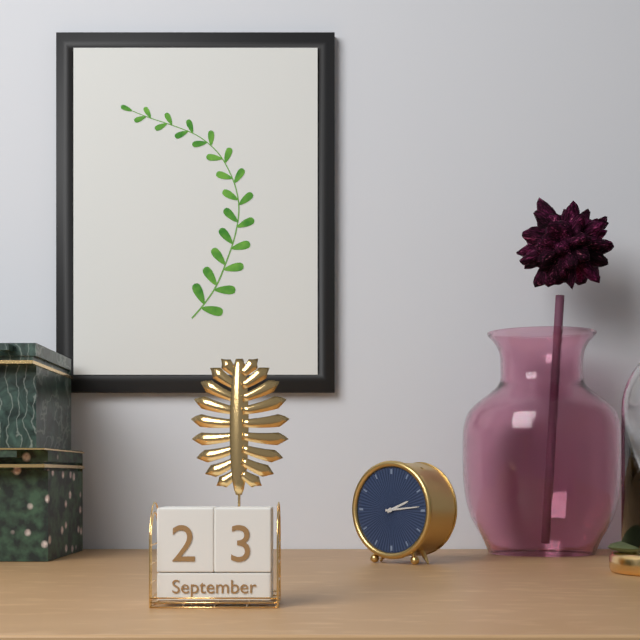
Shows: 2:14
